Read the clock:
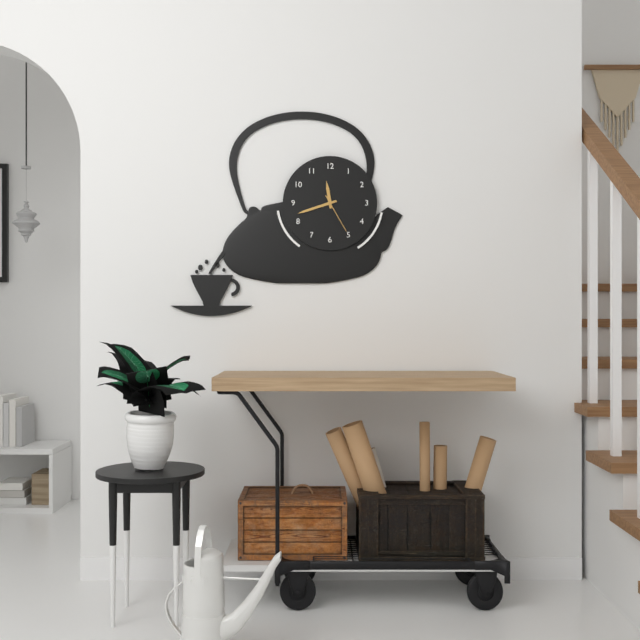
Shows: 11:42
